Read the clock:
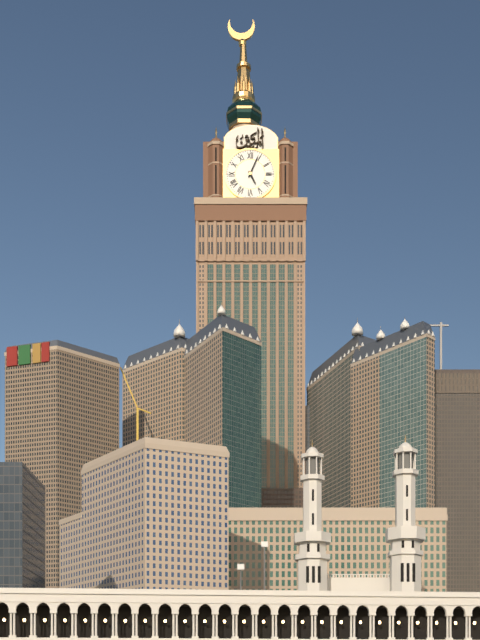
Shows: 5:04
